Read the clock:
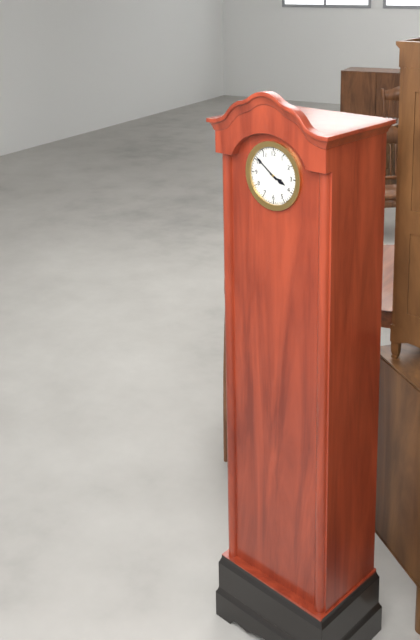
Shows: 3:51
